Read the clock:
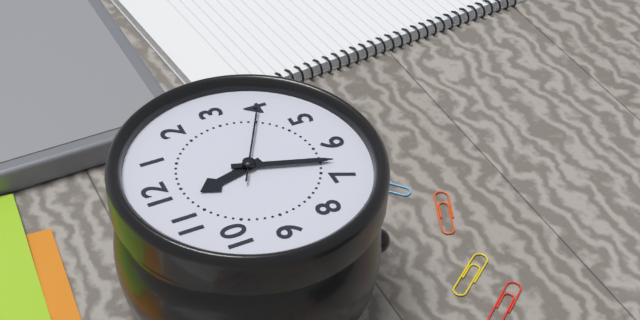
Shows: 11:33:20
